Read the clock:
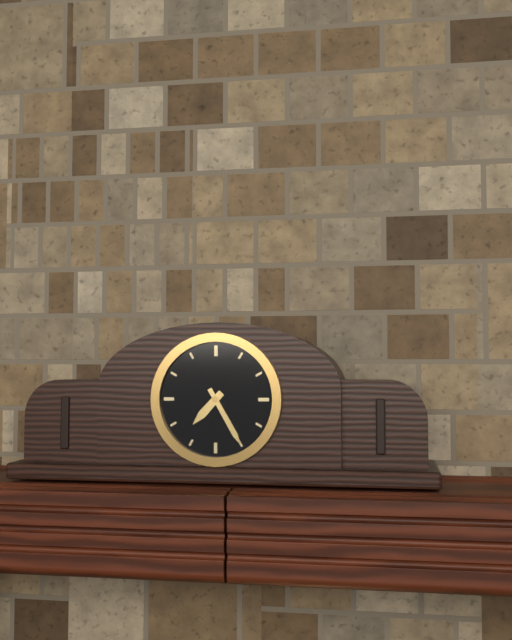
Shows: 7:25
